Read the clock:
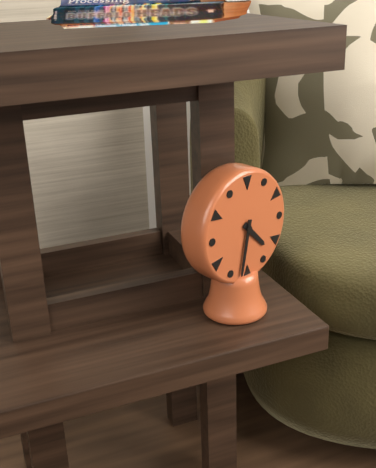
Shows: 4:32
